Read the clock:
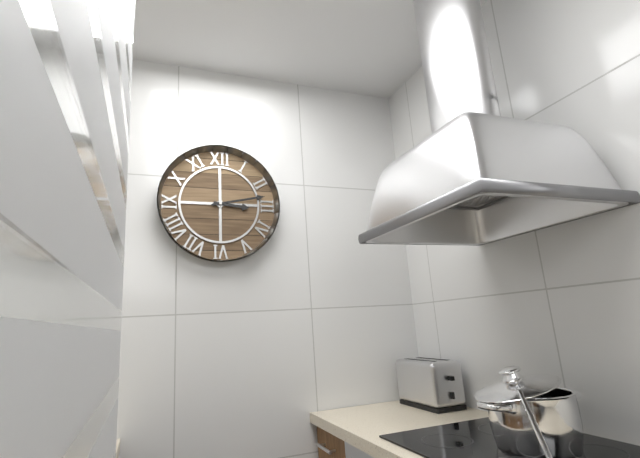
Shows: 3:13
